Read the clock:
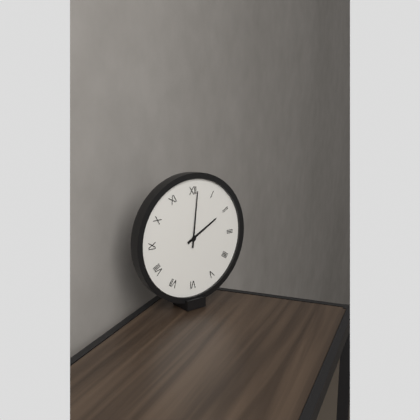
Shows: 2:01
